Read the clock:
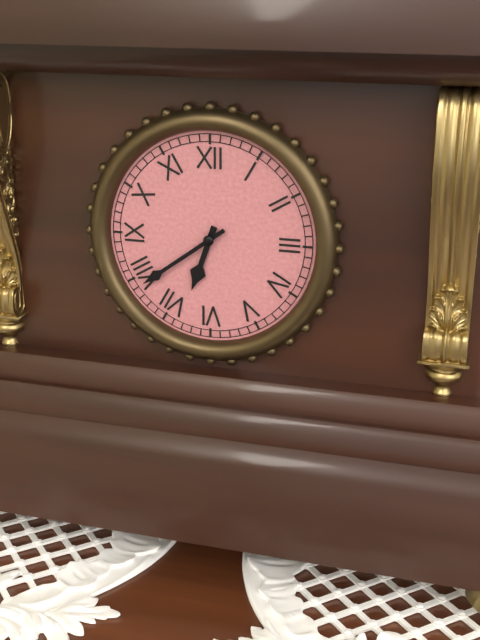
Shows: 6:39
